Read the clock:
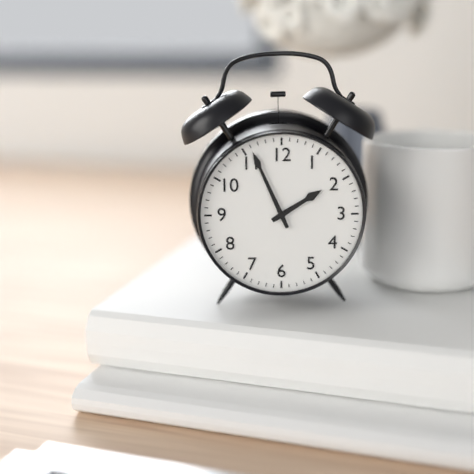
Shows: 1:56
